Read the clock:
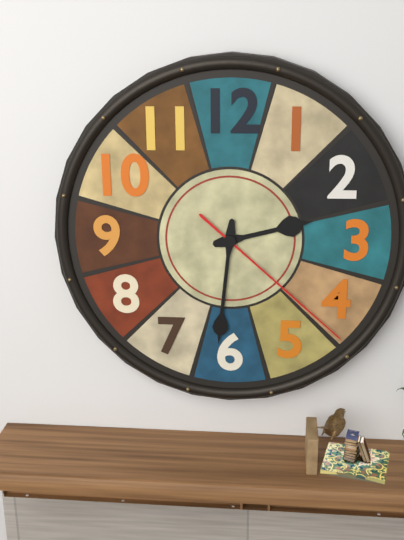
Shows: 2:31:22
